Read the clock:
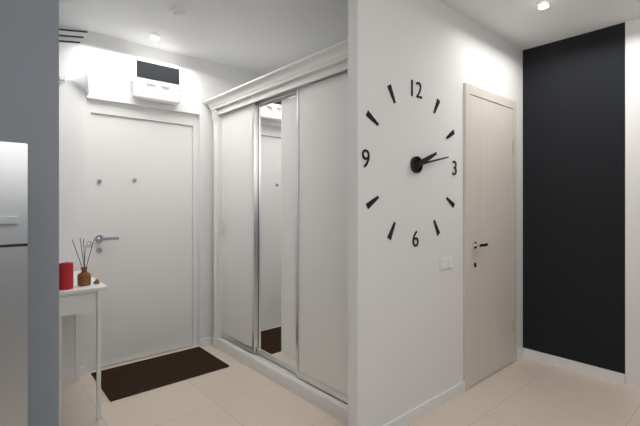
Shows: 2:13
